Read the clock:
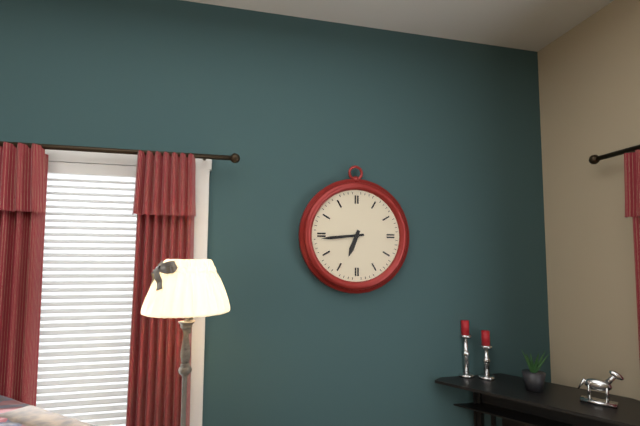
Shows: 6:44
